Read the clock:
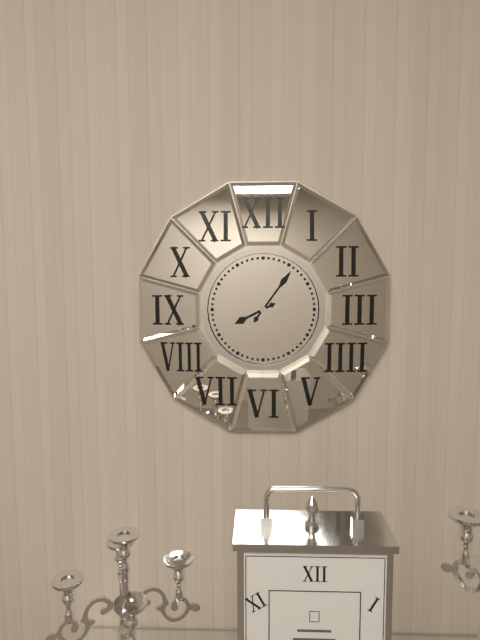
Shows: 8:06
